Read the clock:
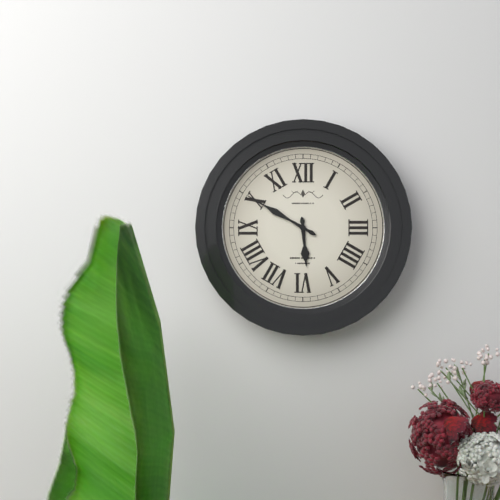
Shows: 5:50
